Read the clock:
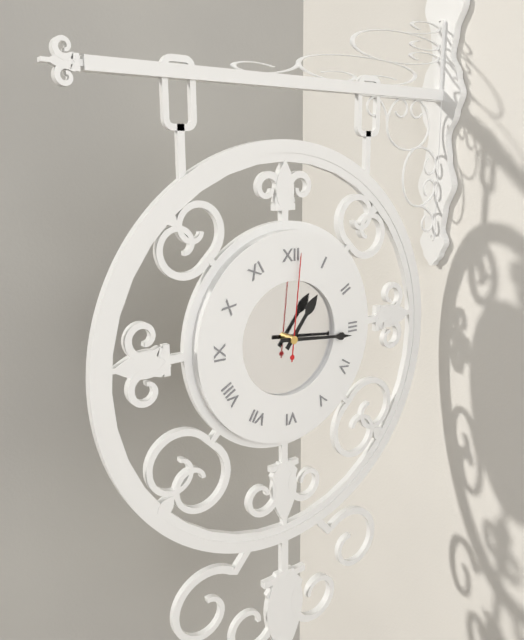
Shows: 1:16:01
